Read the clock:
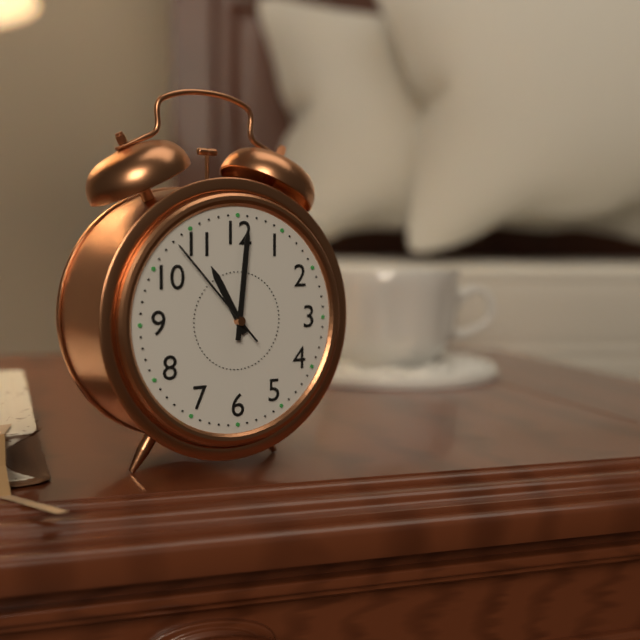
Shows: 11:01:53
